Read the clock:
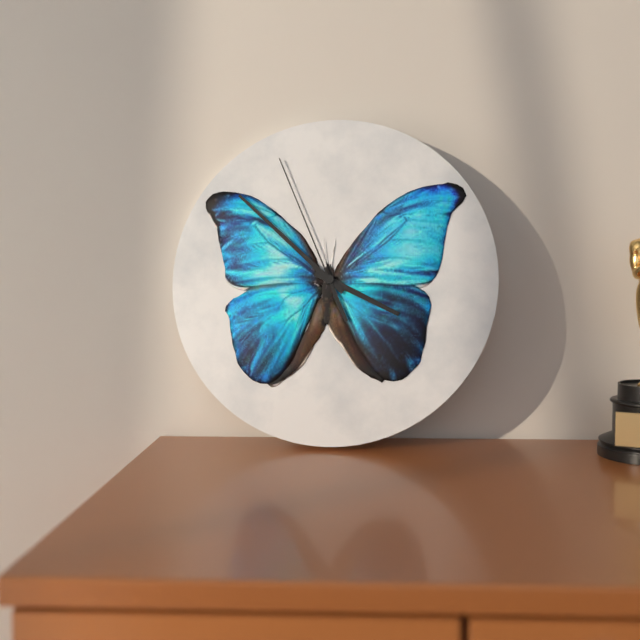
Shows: 3:52:56
